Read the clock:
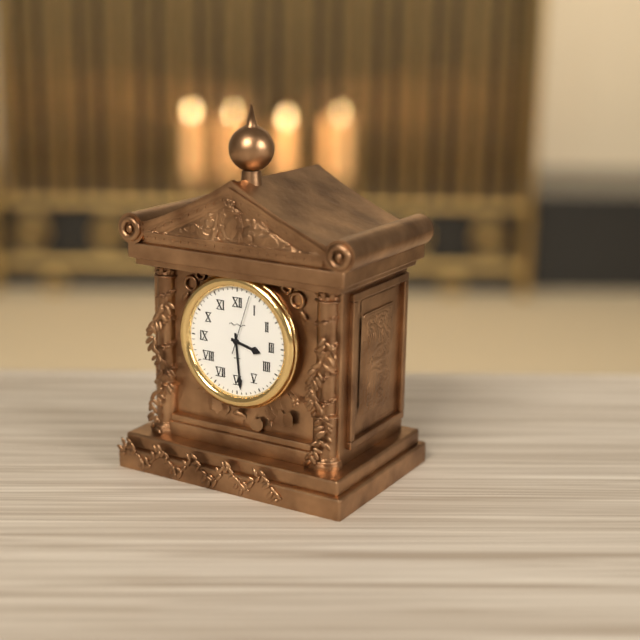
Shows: 3:29:03
